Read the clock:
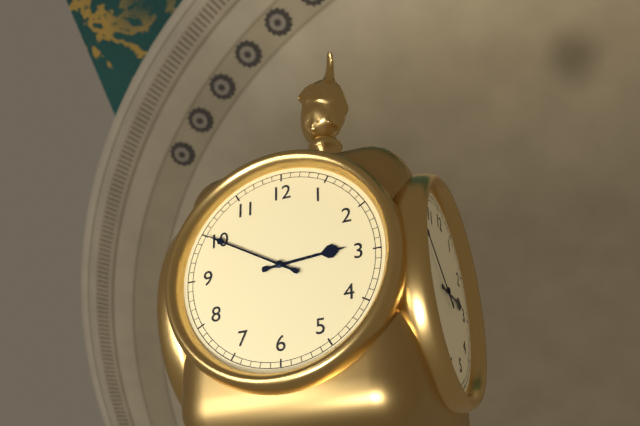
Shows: 2:50
